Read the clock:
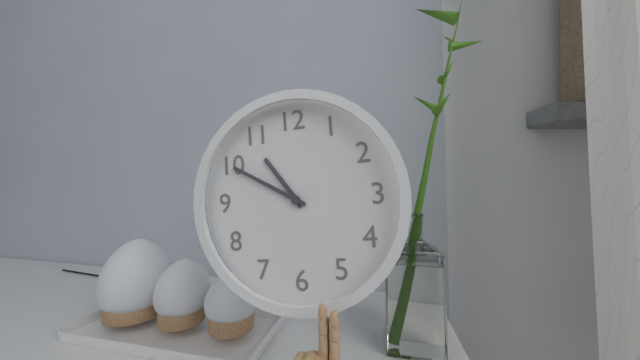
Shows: 10:50
